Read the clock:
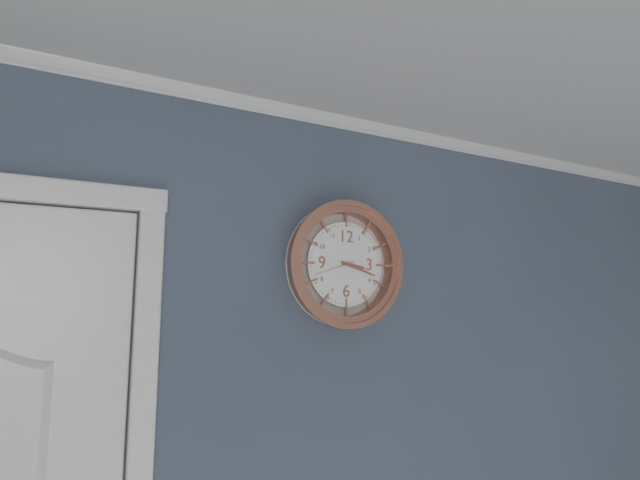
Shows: 3:18
